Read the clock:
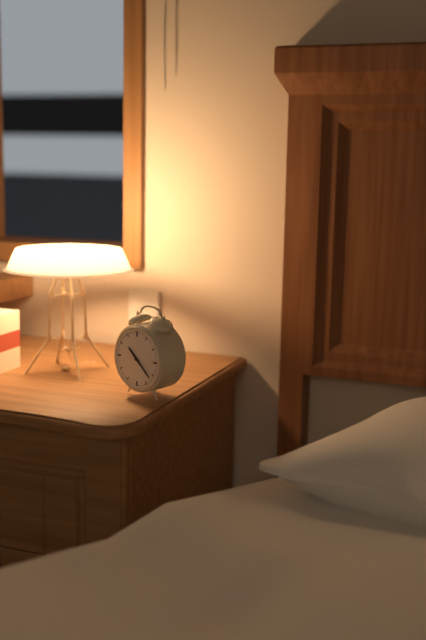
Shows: 10:22
